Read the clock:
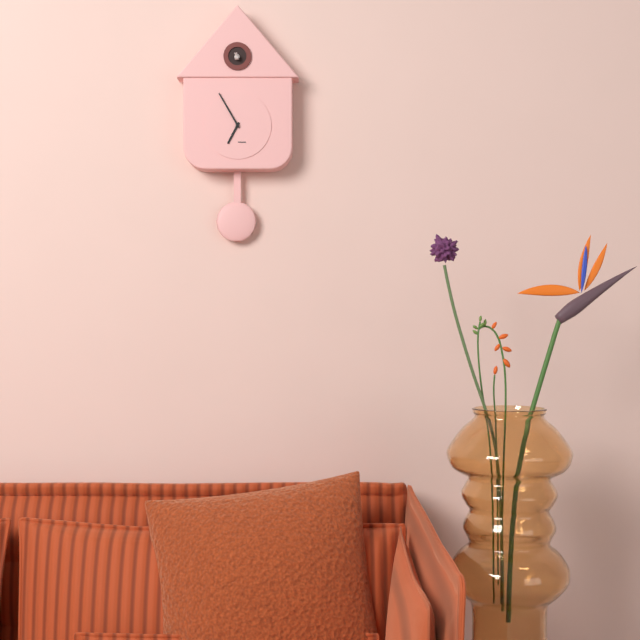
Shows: 6:55
